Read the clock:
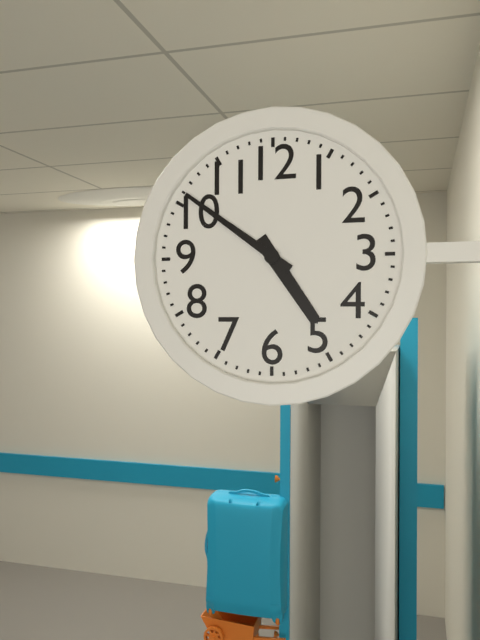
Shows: 4:51
